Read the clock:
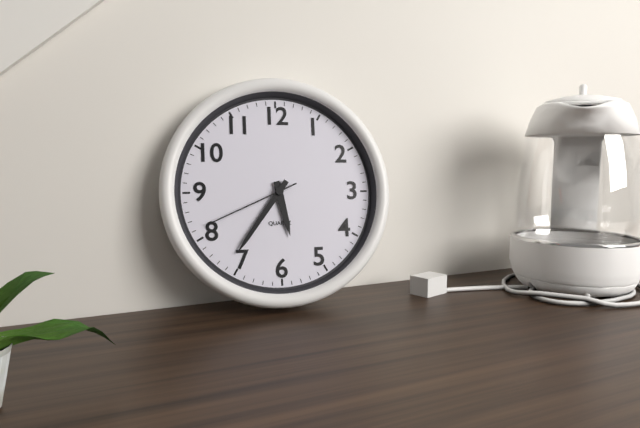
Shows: 5:36:41
